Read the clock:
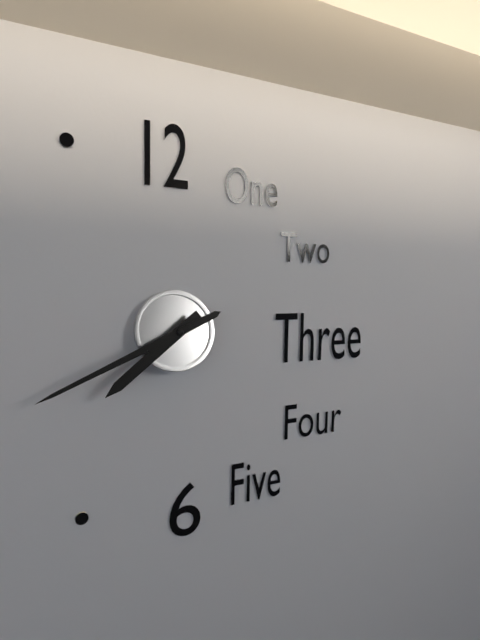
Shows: 7:41
